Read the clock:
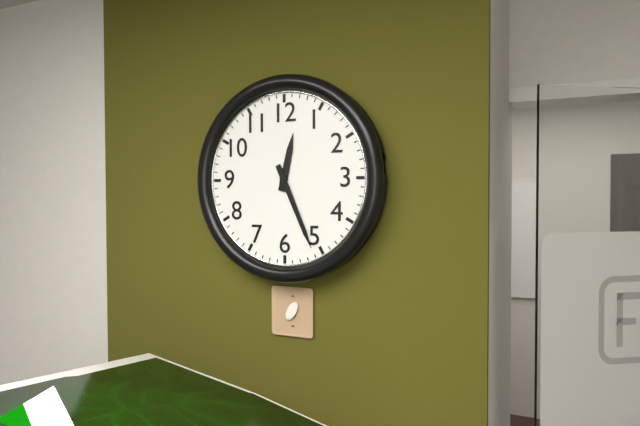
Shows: 12:26
